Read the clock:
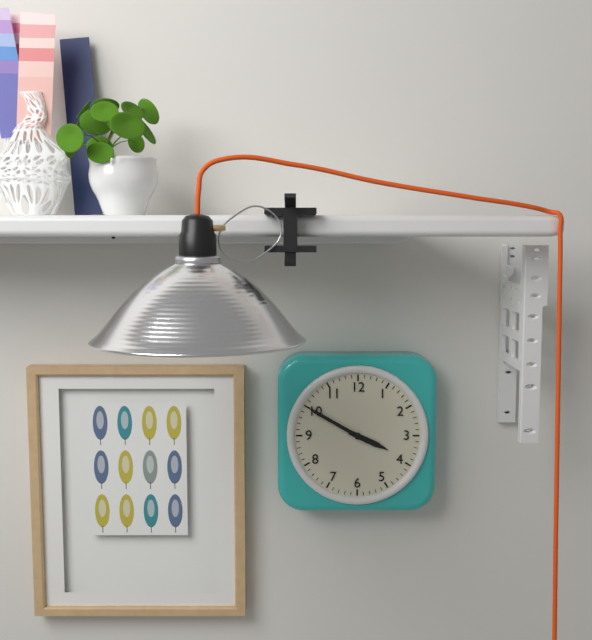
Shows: 3:50
